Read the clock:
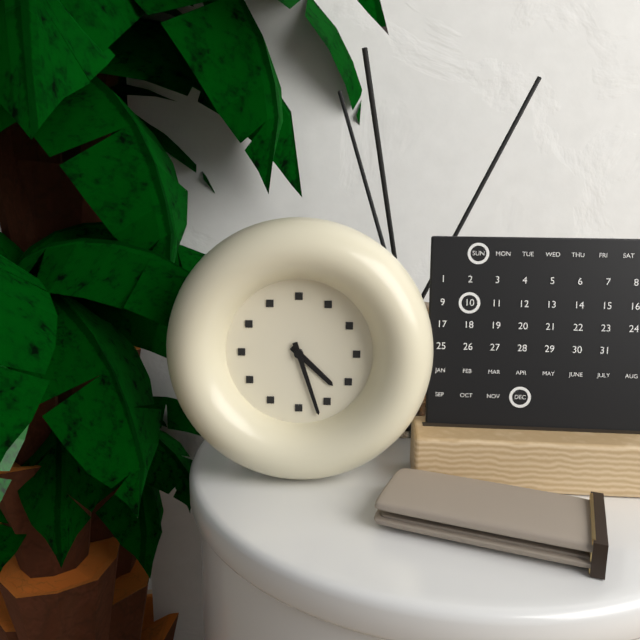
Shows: 4:27
